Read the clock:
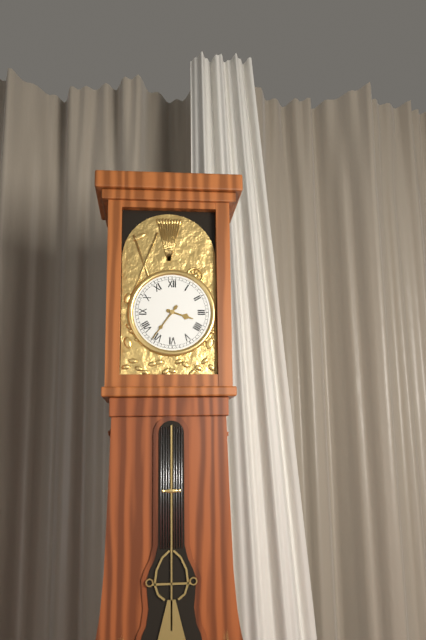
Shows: 3:36
